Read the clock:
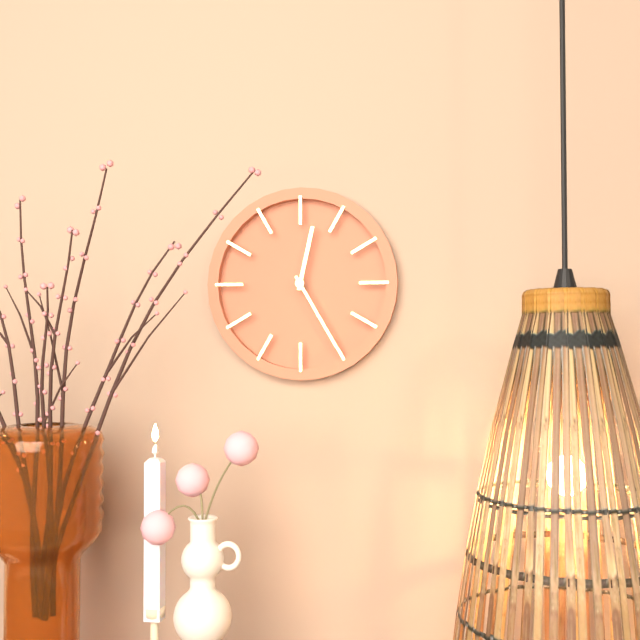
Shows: 12:25
